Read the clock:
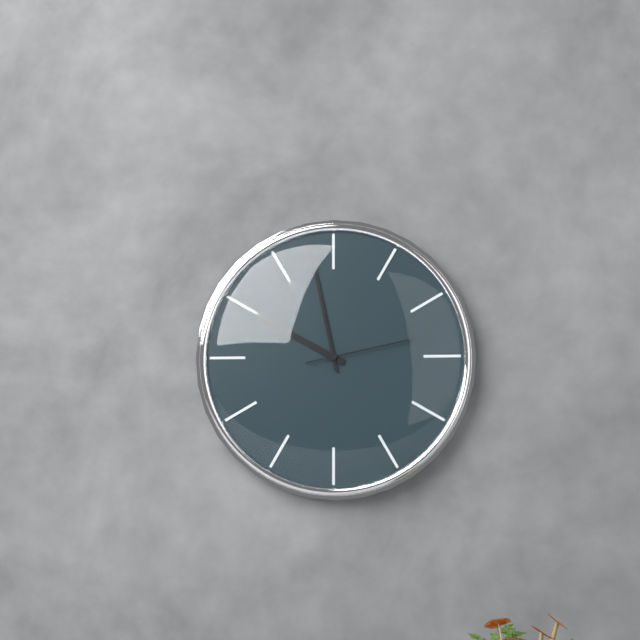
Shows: 9:58:13
